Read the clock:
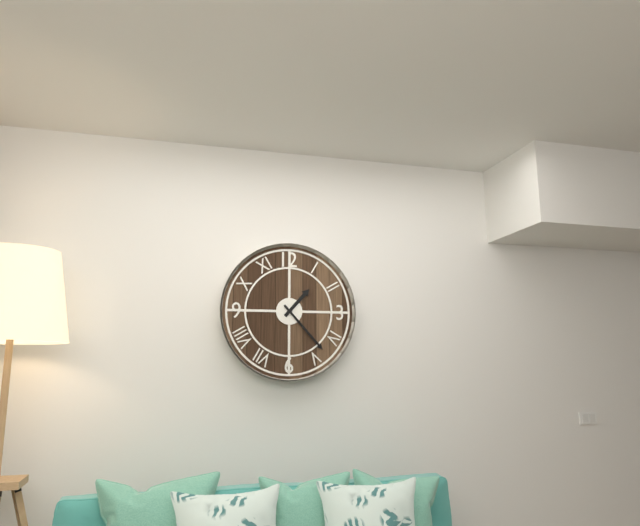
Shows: 1:23
